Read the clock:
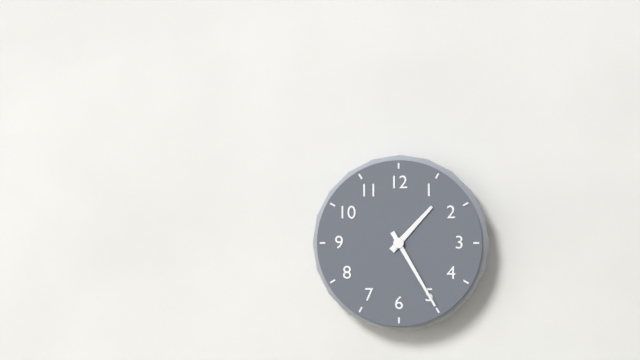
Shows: 1:25
